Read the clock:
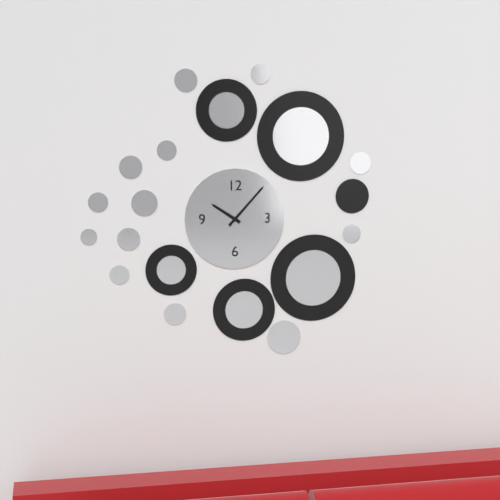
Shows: 10:07
